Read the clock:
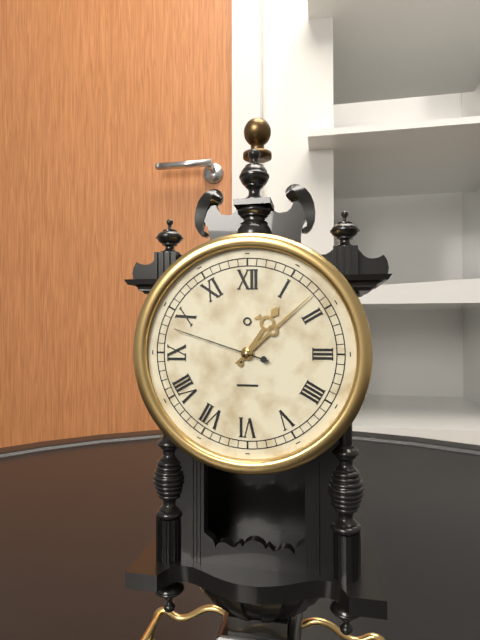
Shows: 1:08:48
